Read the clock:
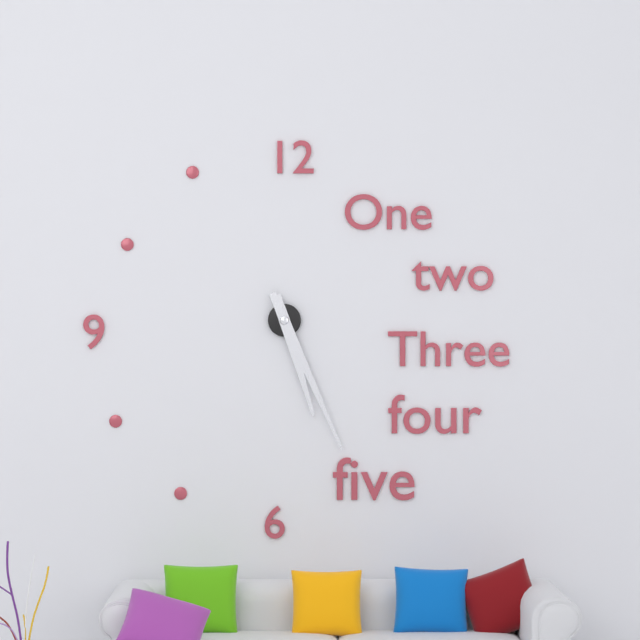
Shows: 5:26
